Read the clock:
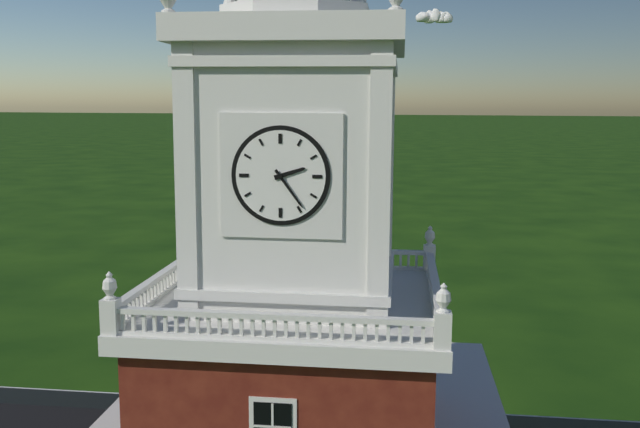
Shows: 2:24
